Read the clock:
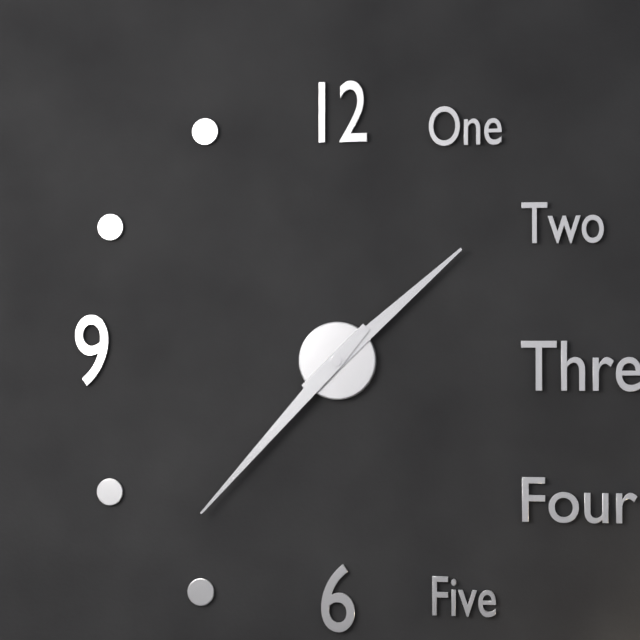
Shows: 1:37
